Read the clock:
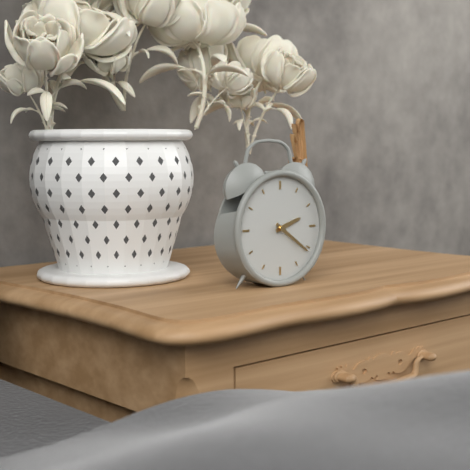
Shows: 2:21
